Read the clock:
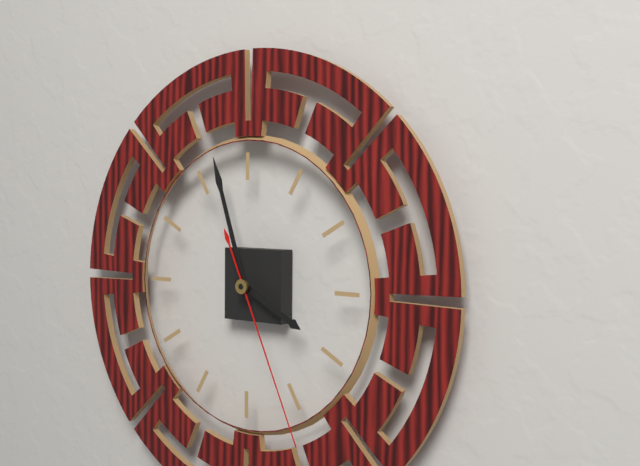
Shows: 3:57:26
